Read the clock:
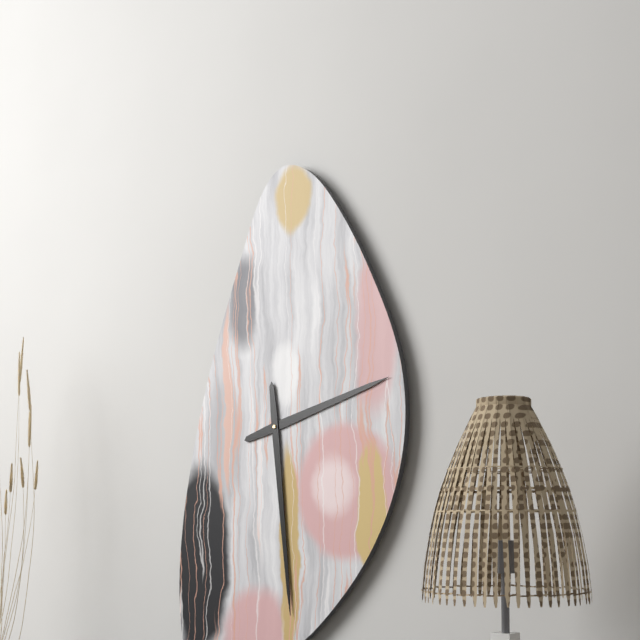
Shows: 2:29
